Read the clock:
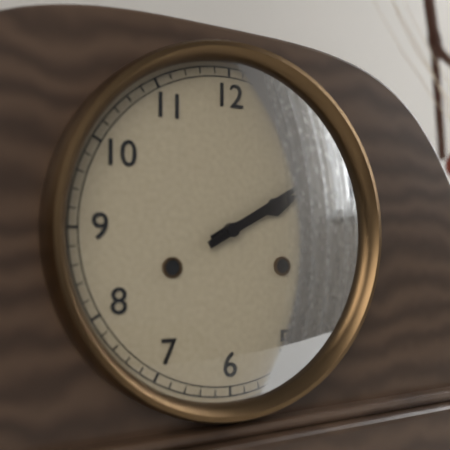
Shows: 2:10
